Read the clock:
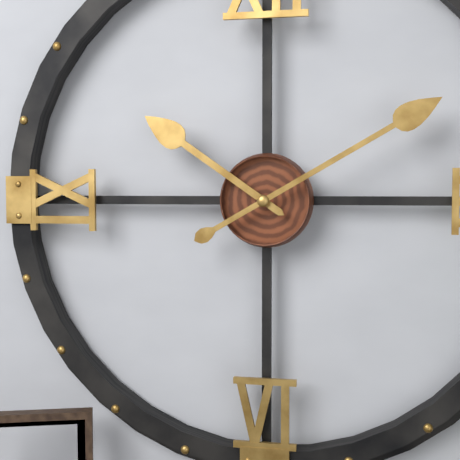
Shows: 10:10
